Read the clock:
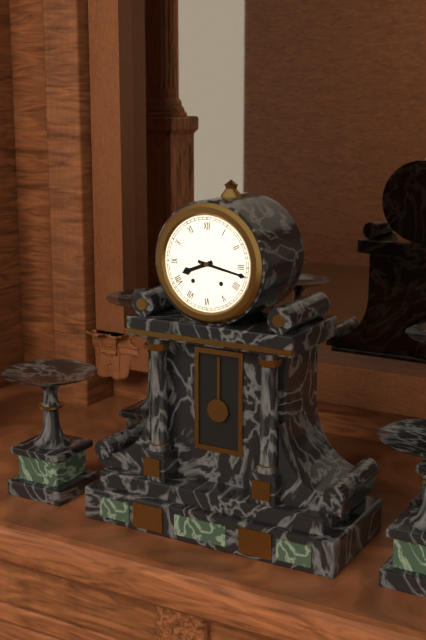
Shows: 8:17
